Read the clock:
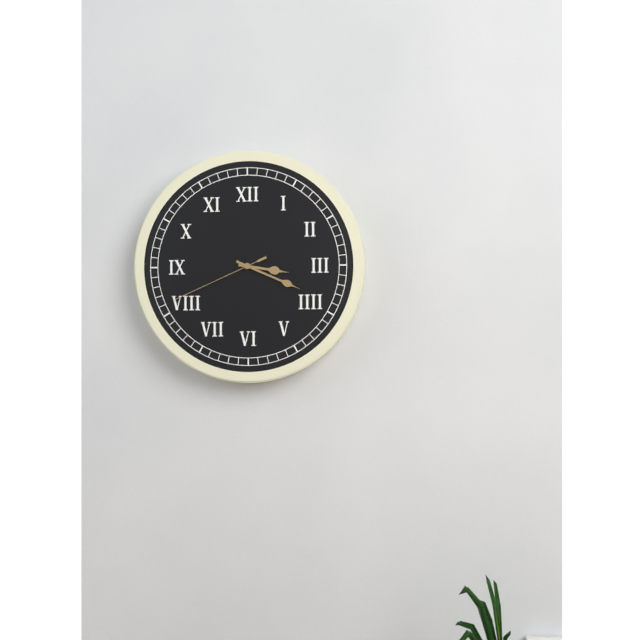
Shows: 3:19:41
